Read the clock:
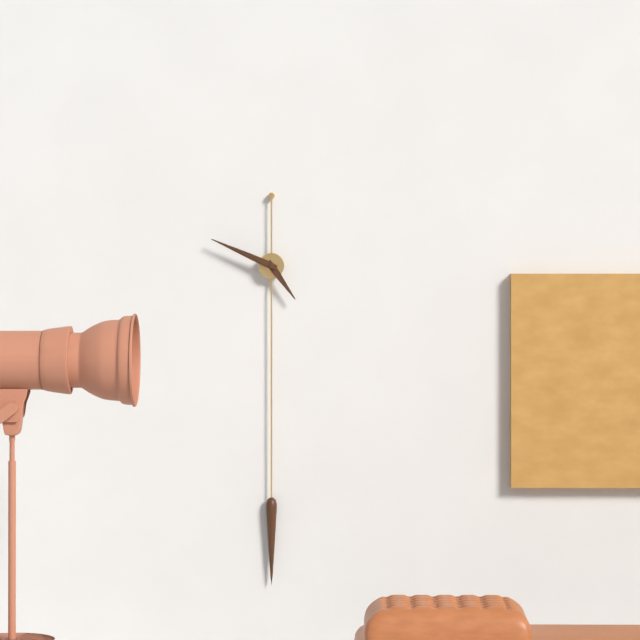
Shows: 4:49
